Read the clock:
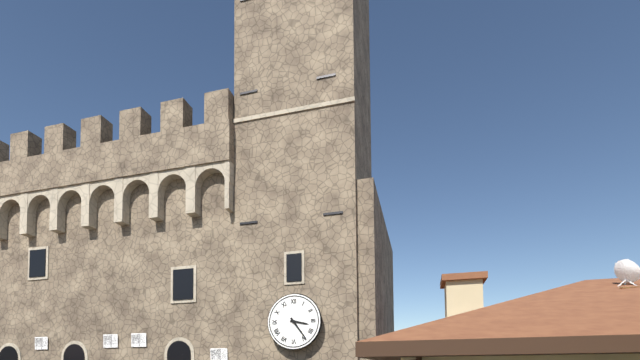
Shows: 3:24
